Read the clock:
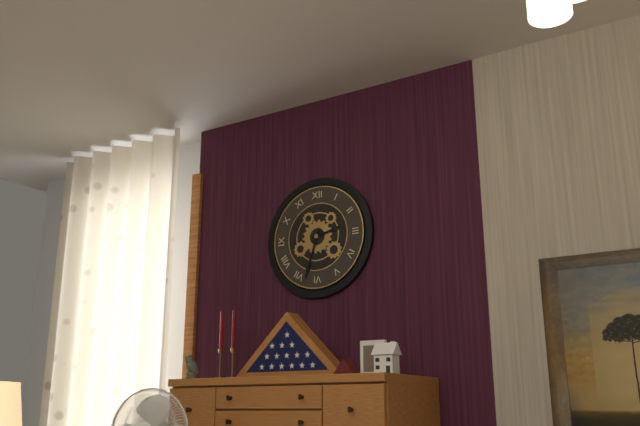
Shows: 2:33
